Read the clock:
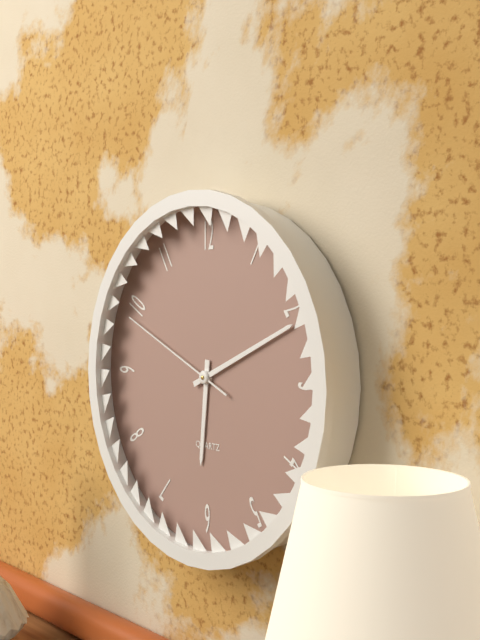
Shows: 6:11:49
